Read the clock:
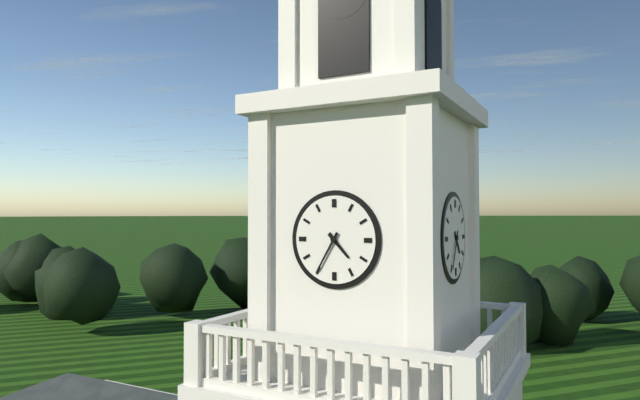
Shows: 4:35
